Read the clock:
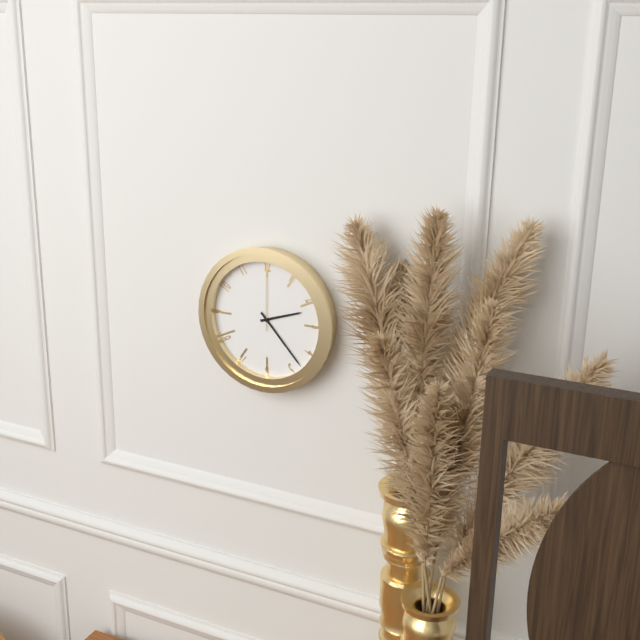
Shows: 2:23:00
